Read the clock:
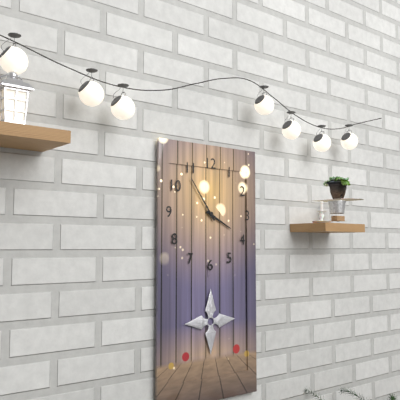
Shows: 3:54
